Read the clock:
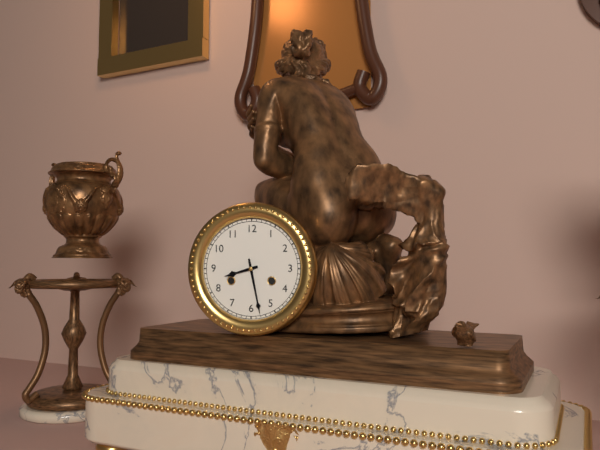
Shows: 8:28
